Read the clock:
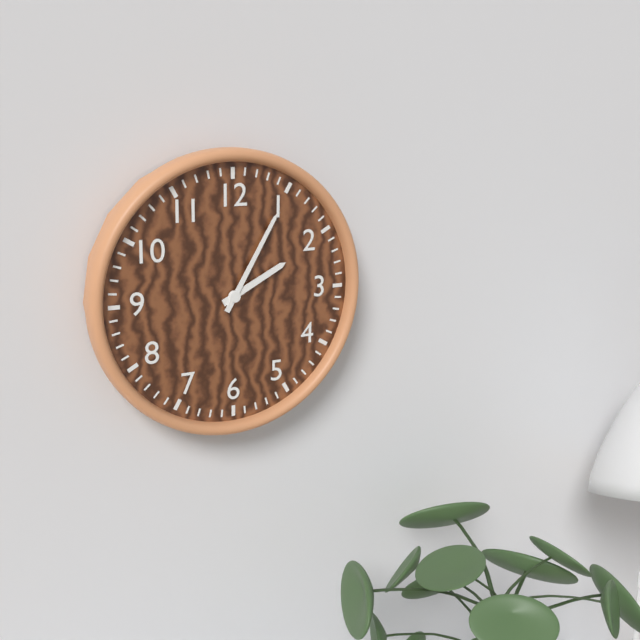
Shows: 2:05
